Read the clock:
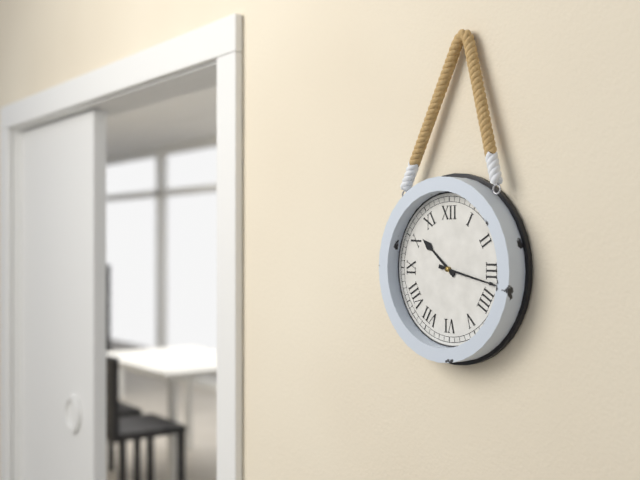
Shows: 10:17
